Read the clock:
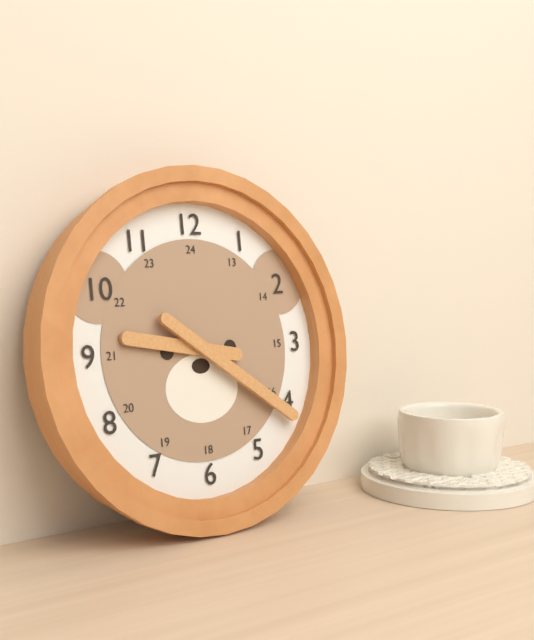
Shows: 9:21
